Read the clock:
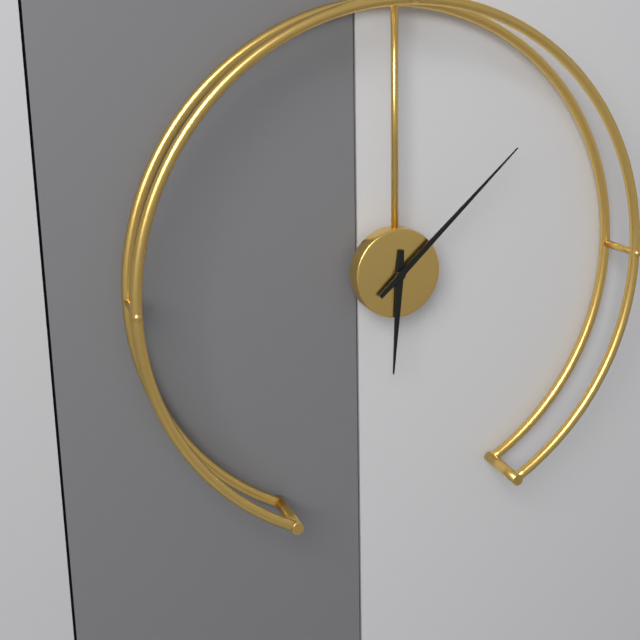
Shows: 6:08
